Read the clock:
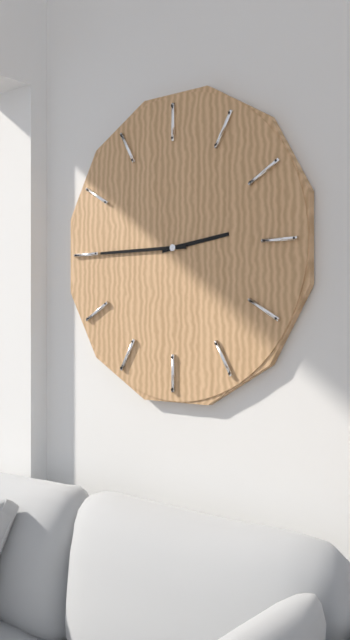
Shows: 2:45
